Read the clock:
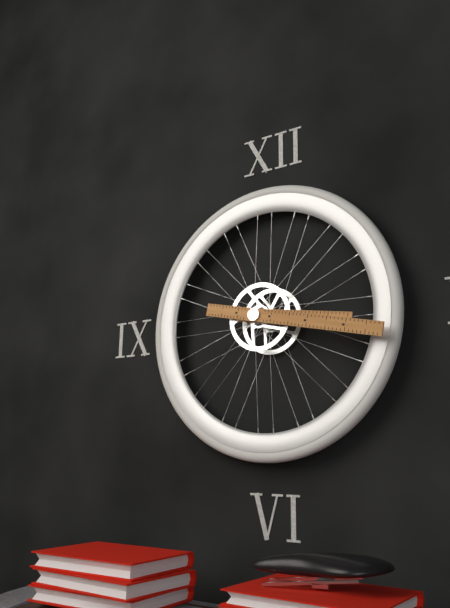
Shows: 3:17
